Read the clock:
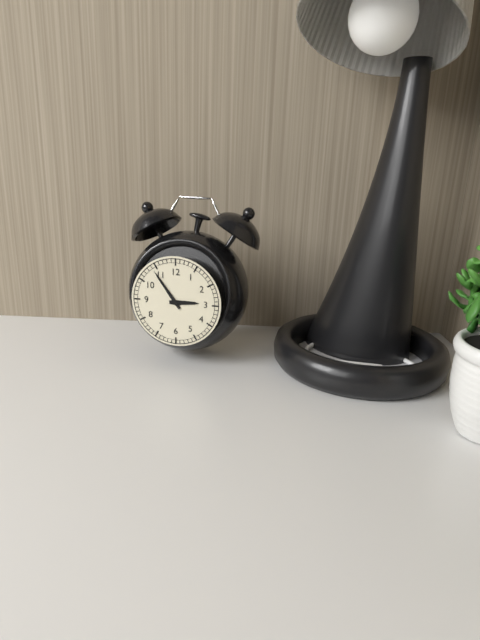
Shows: 2:54
